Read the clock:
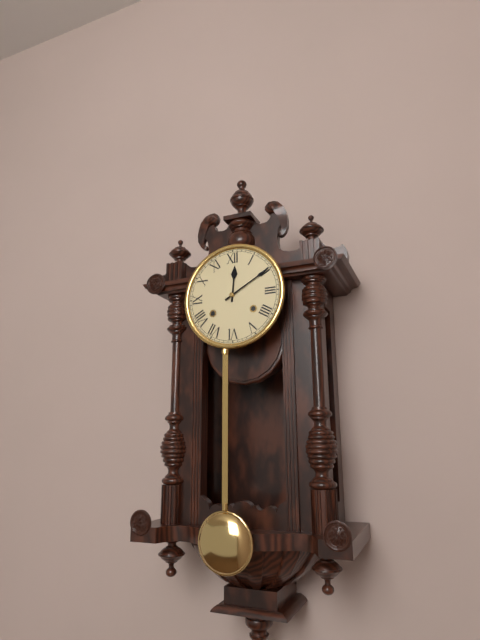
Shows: 12:10
